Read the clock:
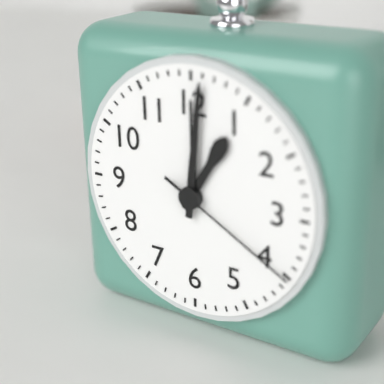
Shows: 1:01:20
